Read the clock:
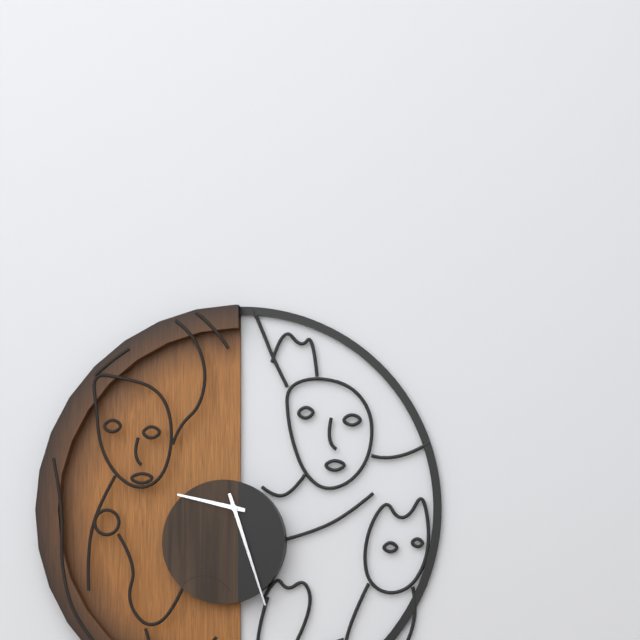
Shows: 9:27
